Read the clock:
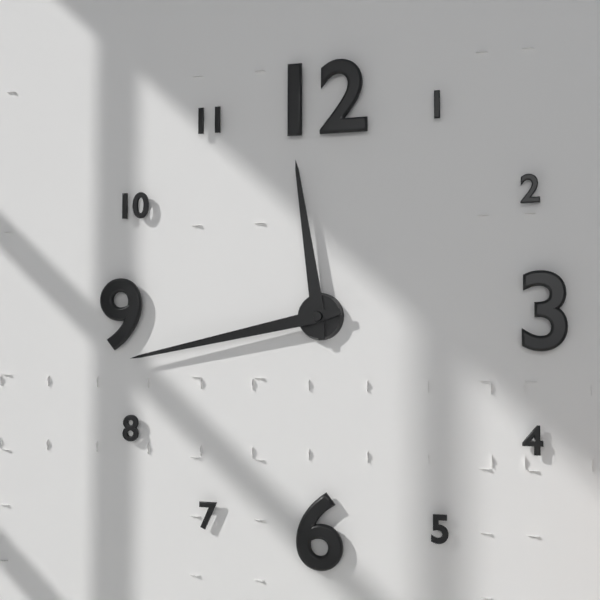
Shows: 11:43
